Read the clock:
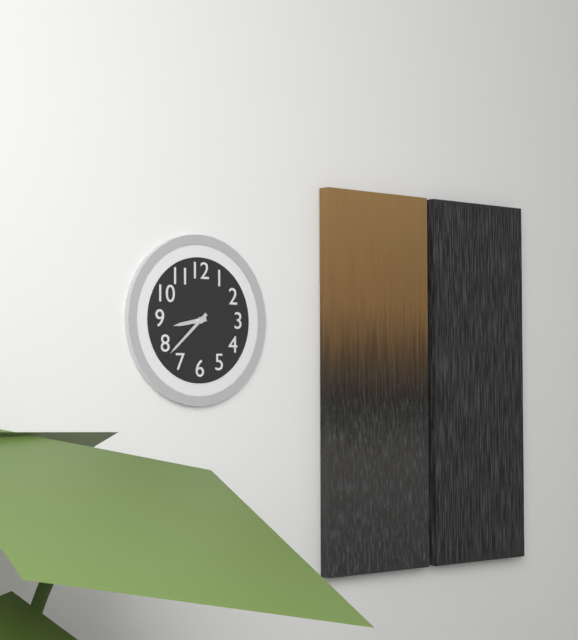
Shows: 8:38
